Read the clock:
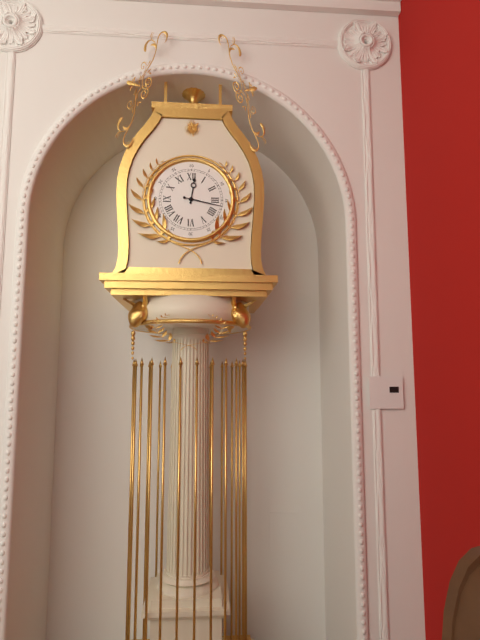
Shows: 12:17
